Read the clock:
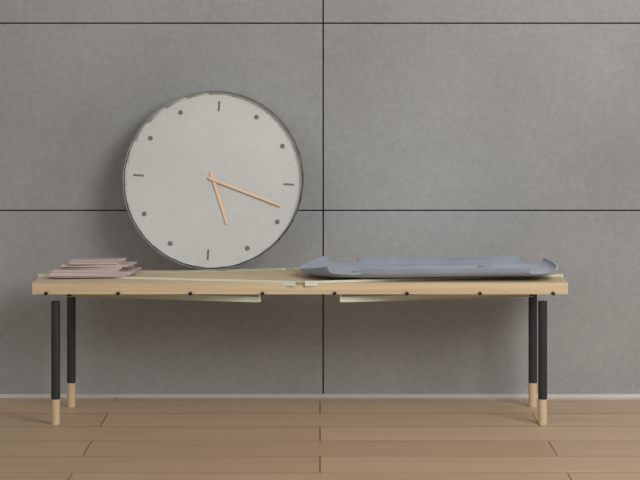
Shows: 5:18
